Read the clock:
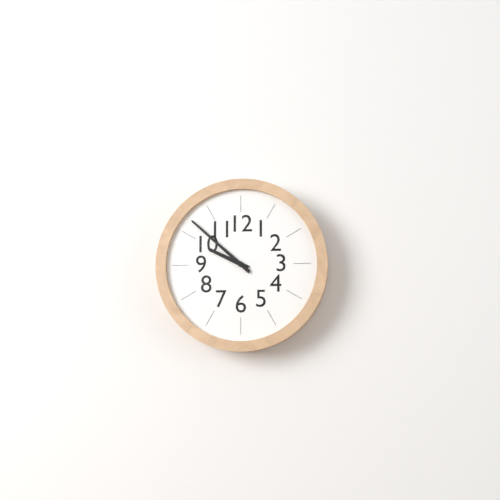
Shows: 9:52
